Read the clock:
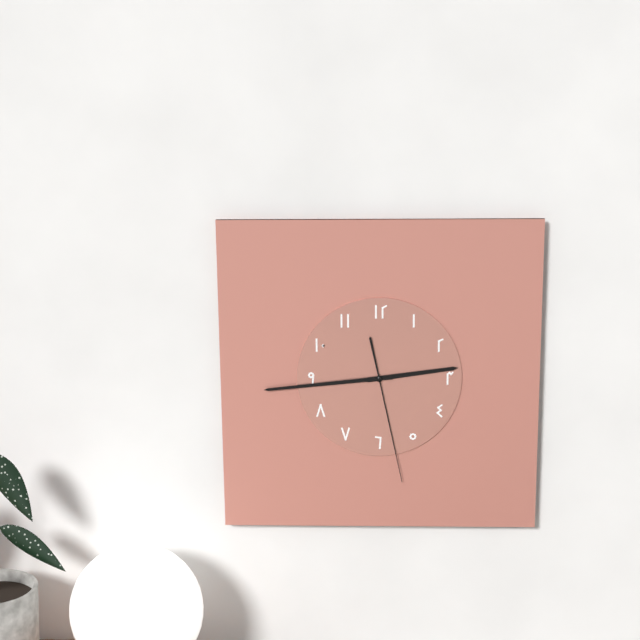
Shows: 2:44:28
